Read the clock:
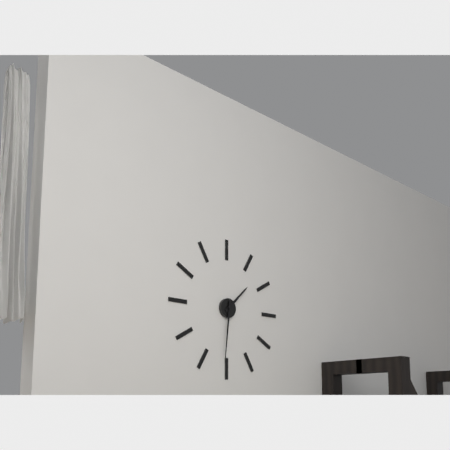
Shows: 1:31
